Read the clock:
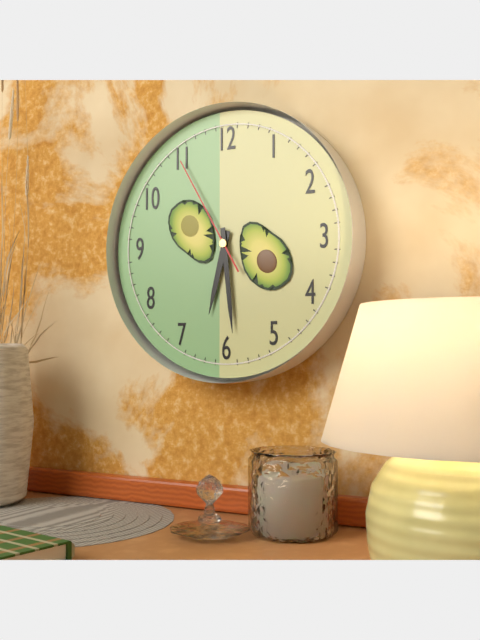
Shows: 6:29:55
